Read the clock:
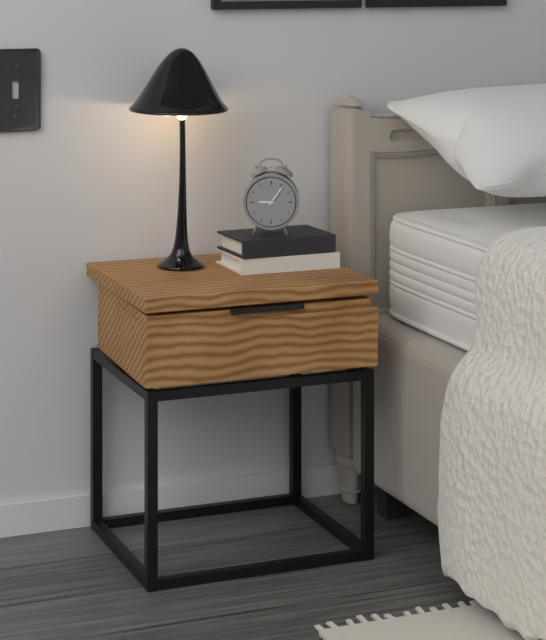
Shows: 9:06
